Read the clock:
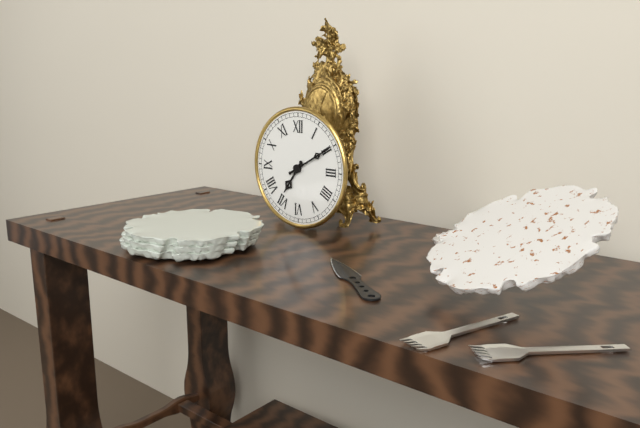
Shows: 7:10
